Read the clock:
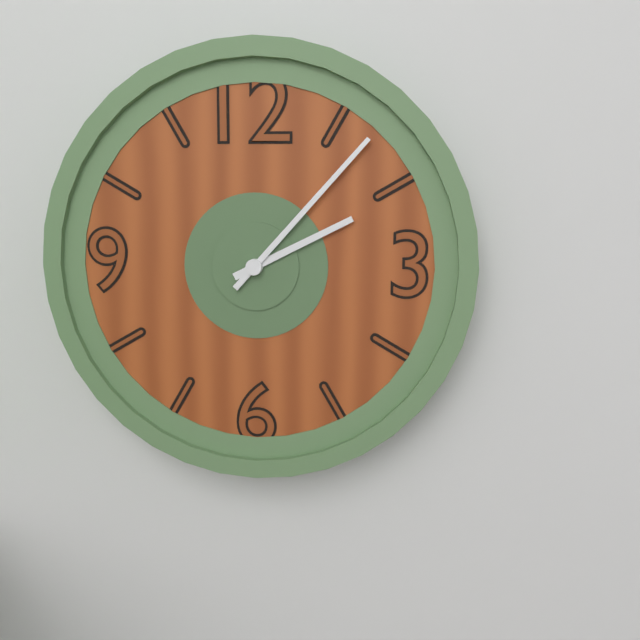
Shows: 2:07
